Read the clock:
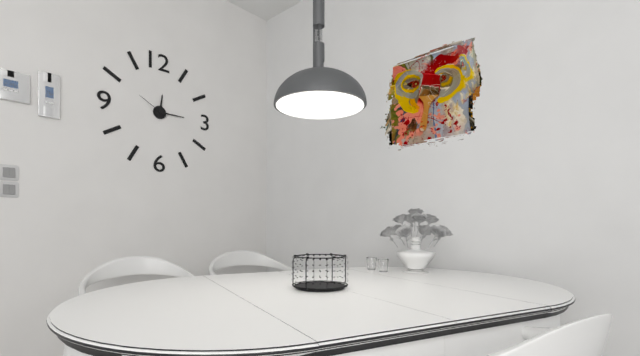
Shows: 12:15
